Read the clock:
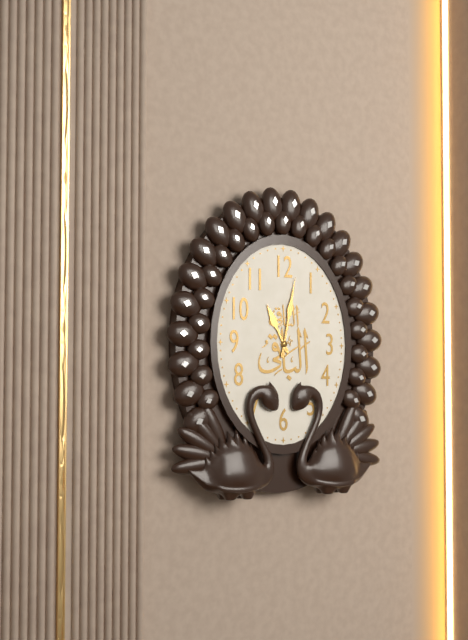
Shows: 11:02
